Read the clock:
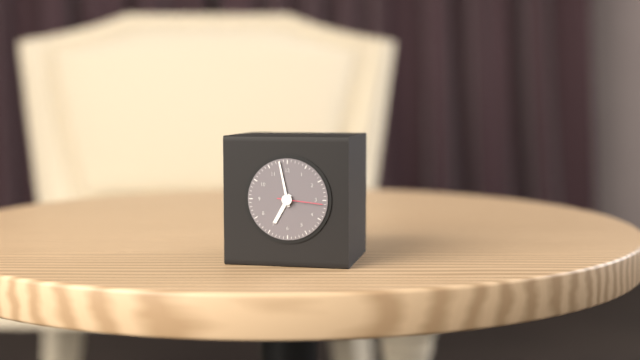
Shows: 6:58
